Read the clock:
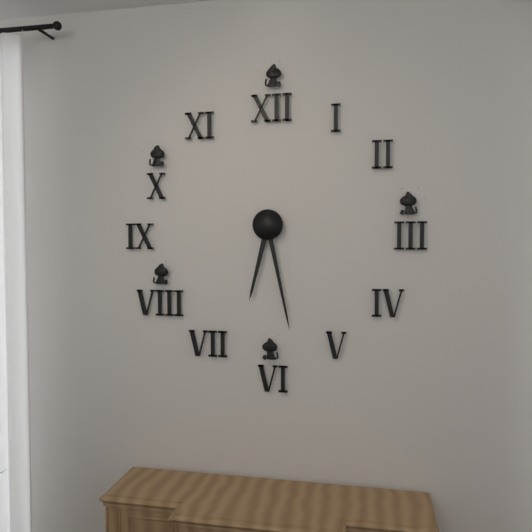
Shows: 6:28
